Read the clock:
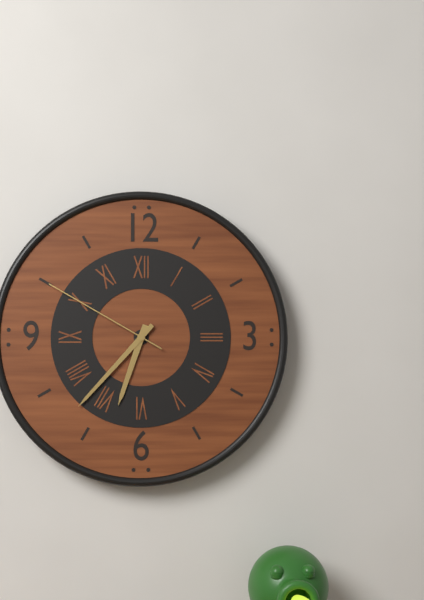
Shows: 6:37:50
